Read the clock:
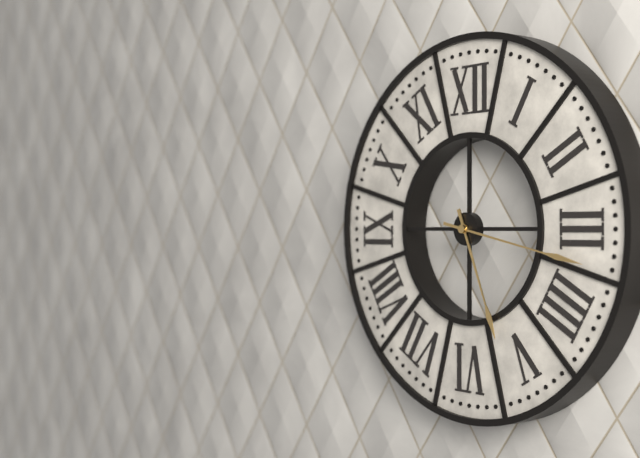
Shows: 5:17
